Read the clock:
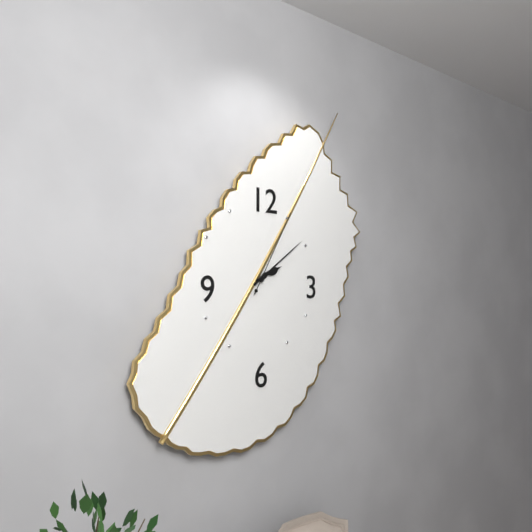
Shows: 2:09:05
